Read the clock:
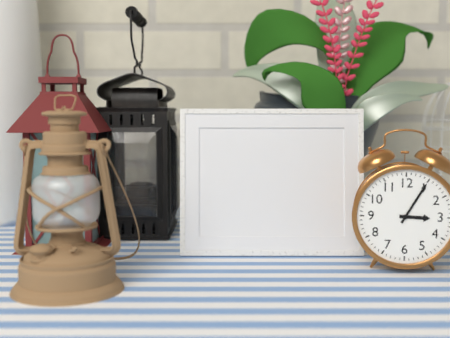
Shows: 3:05
